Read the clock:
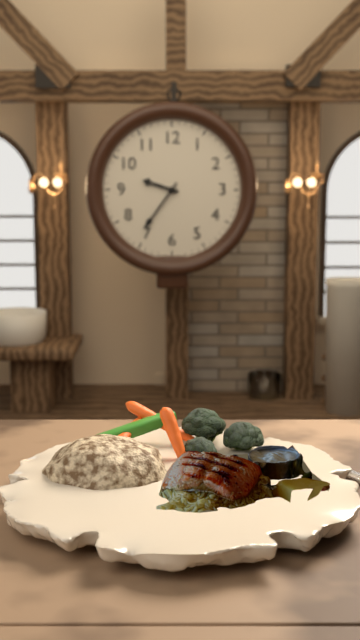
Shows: 9:36
